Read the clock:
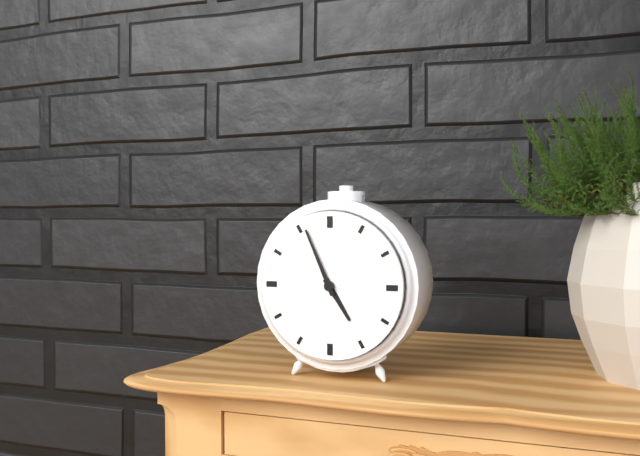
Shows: 4:56
